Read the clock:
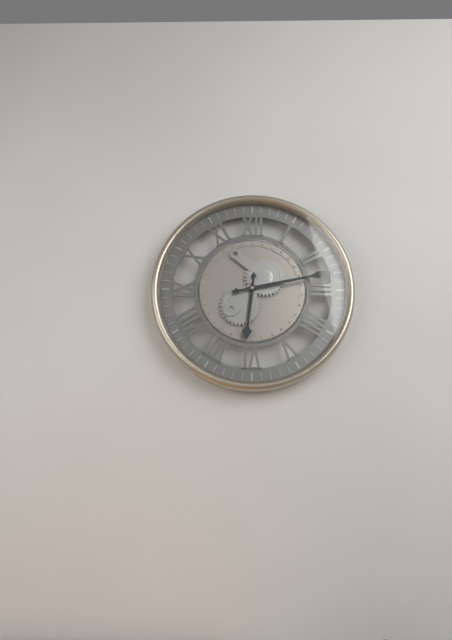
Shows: 6:13
